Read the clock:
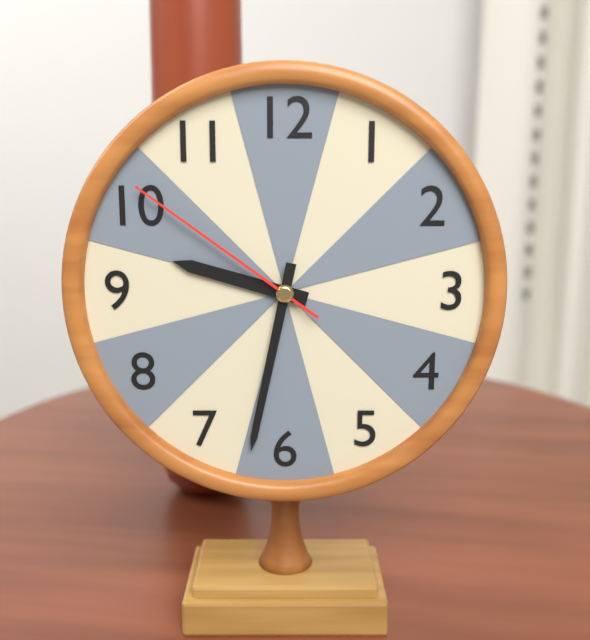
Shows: 9:32:51
